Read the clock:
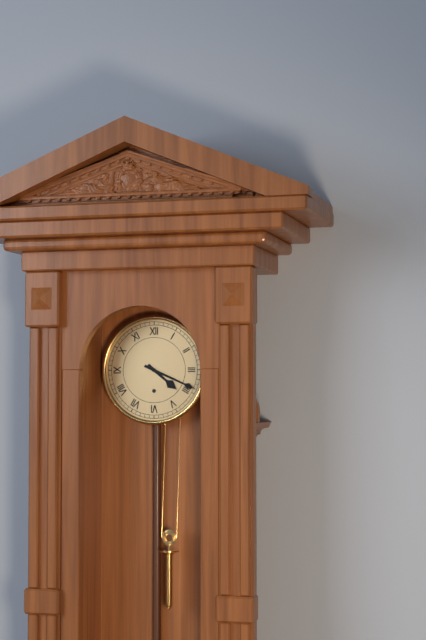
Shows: 4:19
